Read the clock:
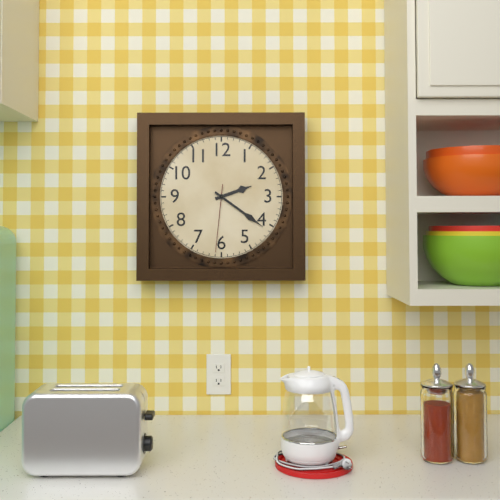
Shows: 2:21:31
